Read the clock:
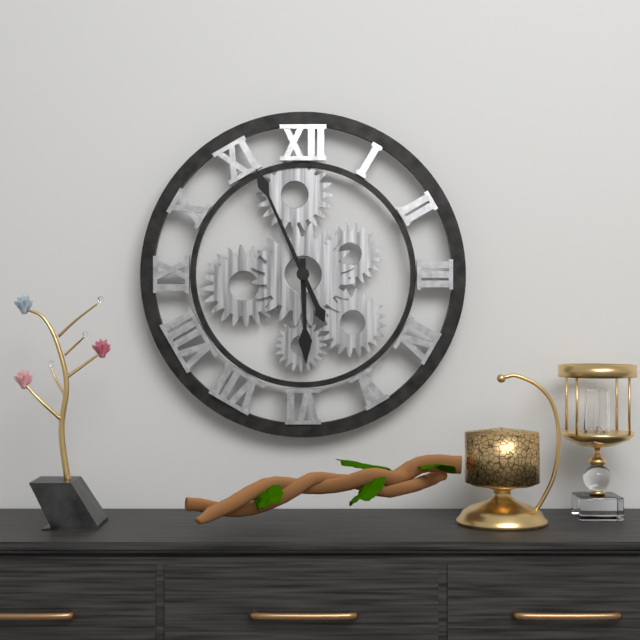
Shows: 5:56
